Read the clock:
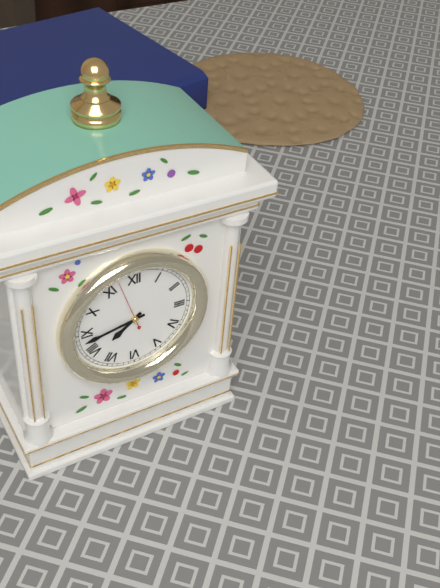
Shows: 7:43:57
